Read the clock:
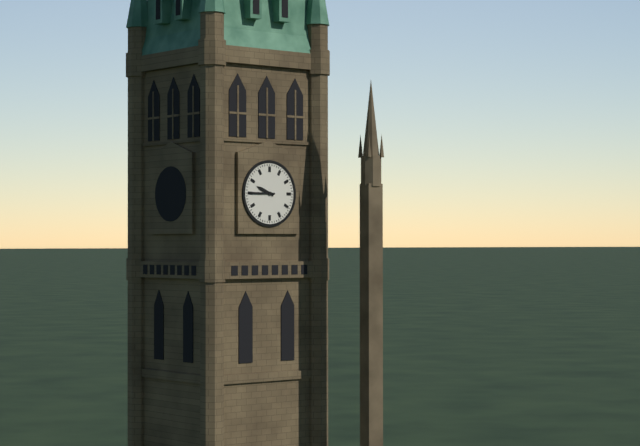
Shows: 9:45
